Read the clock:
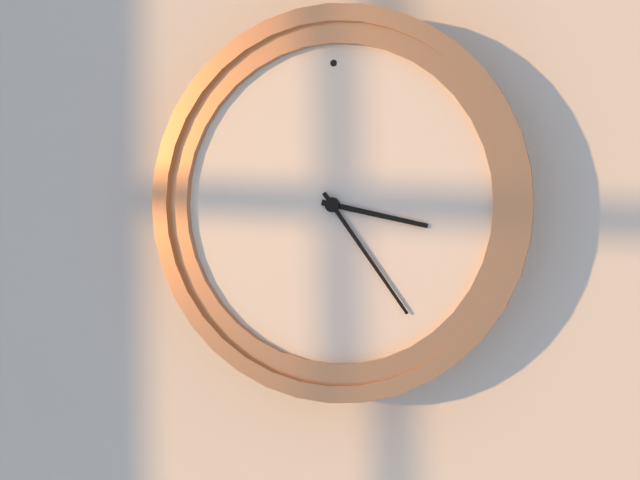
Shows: 3:24
